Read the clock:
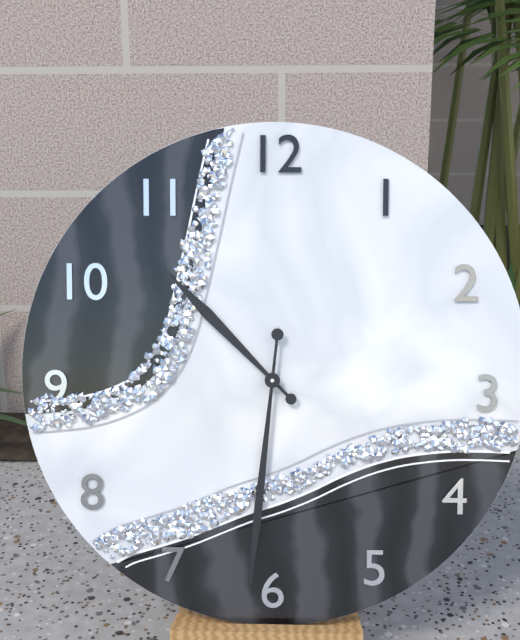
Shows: 10:31
